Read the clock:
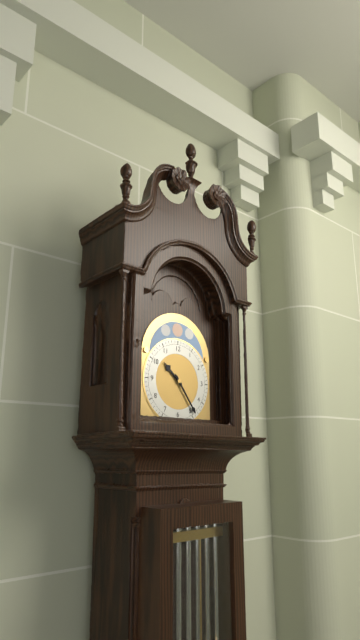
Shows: 10:24
